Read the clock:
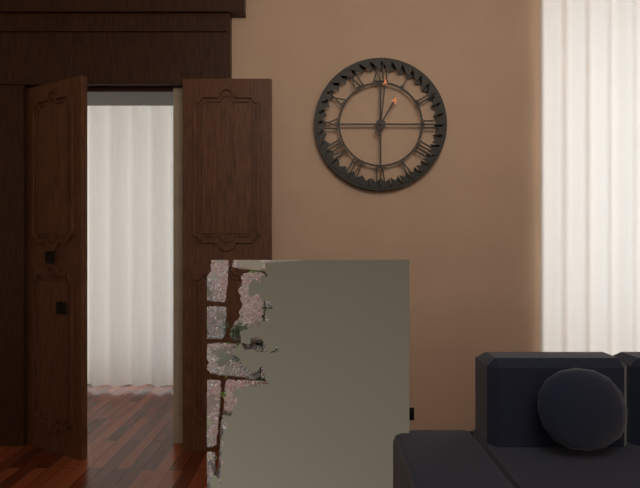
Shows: 1:01
